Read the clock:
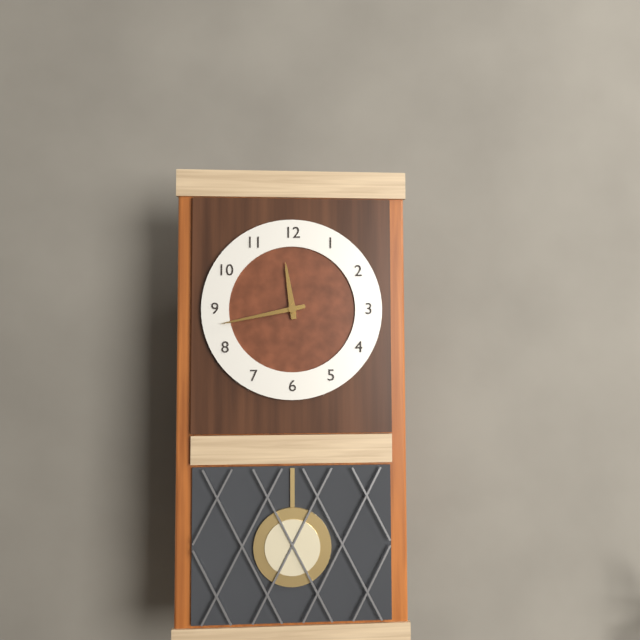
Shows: 11:43
